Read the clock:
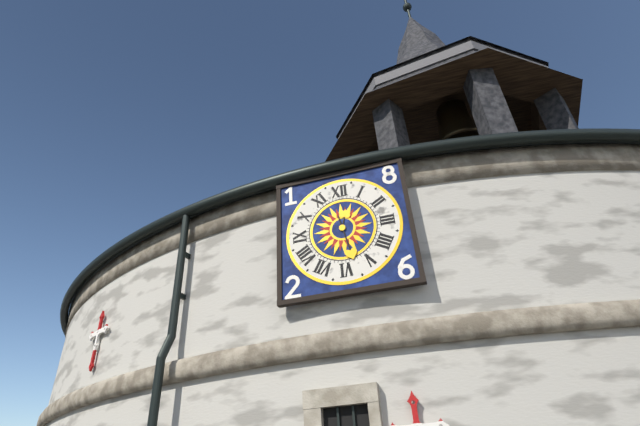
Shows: 12:28
